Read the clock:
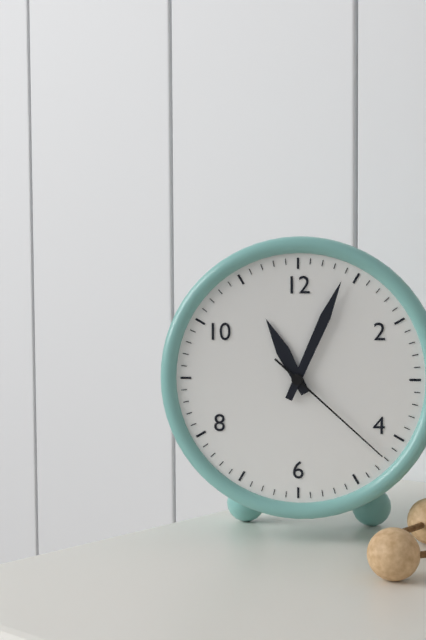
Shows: 11:04:22
